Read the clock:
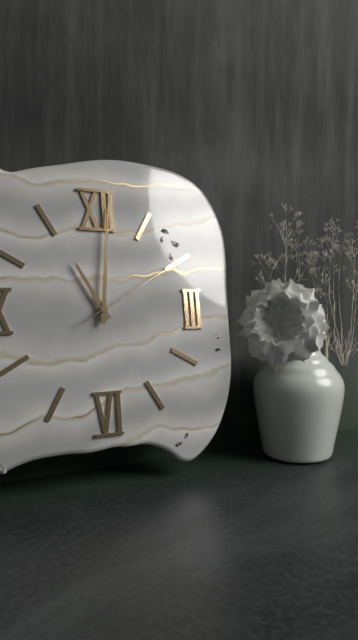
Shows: 11:01:10
